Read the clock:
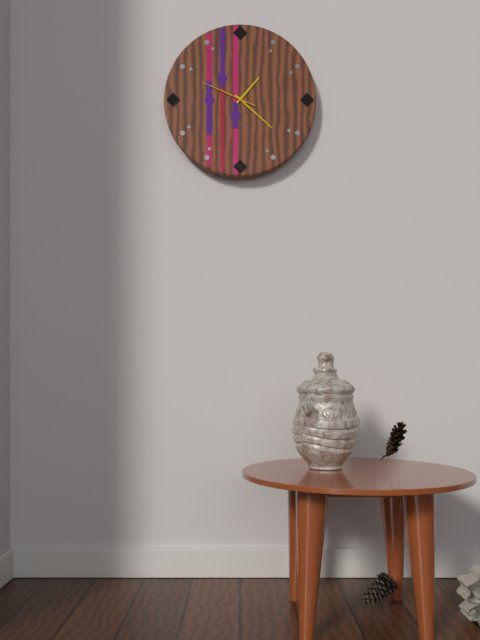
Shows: 1:22:49
